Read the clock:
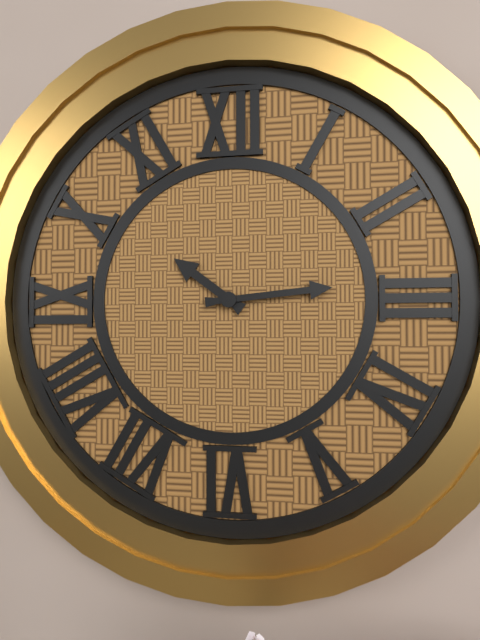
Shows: 10:14
